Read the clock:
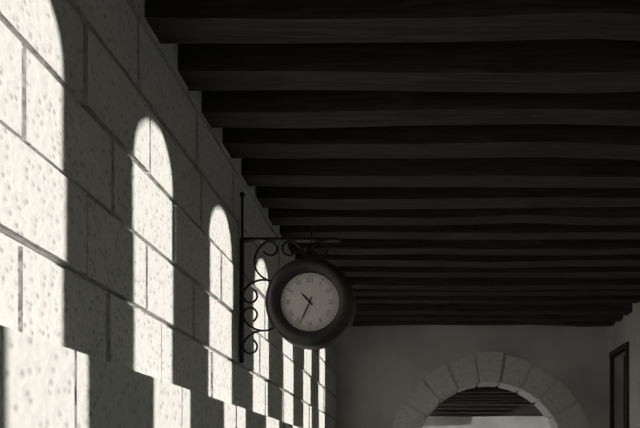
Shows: 10:34
